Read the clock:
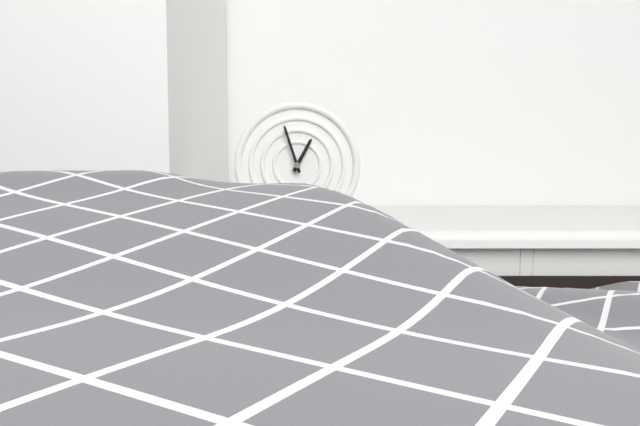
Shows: 12:57
